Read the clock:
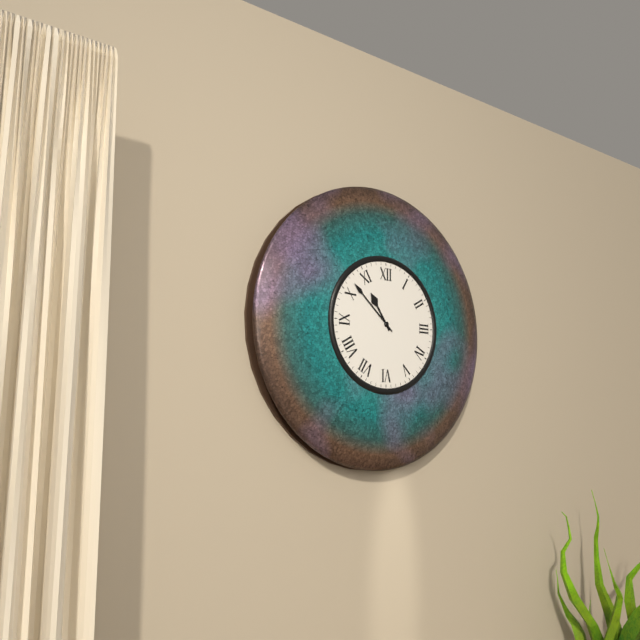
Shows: 10:52
